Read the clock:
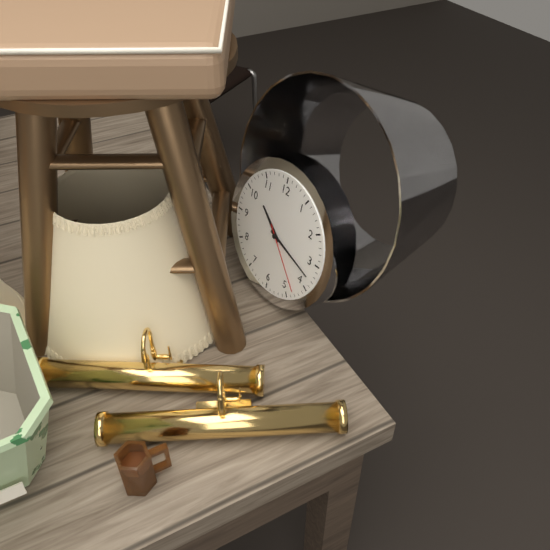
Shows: 10:18:23
